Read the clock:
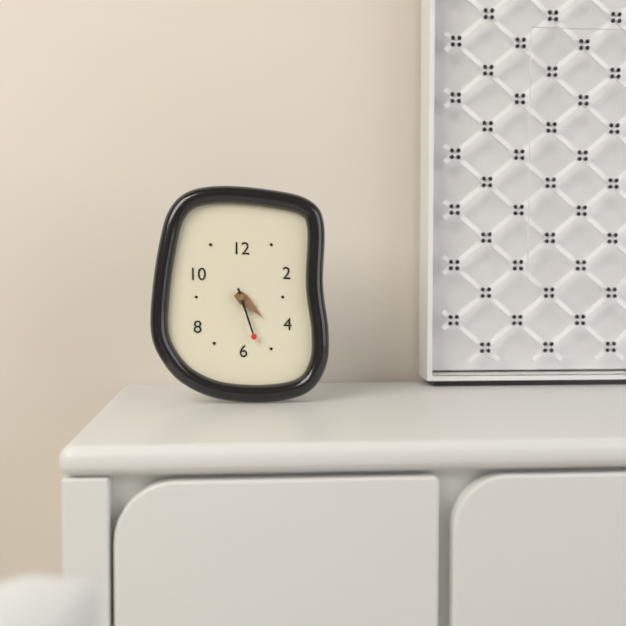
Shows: 4:27
